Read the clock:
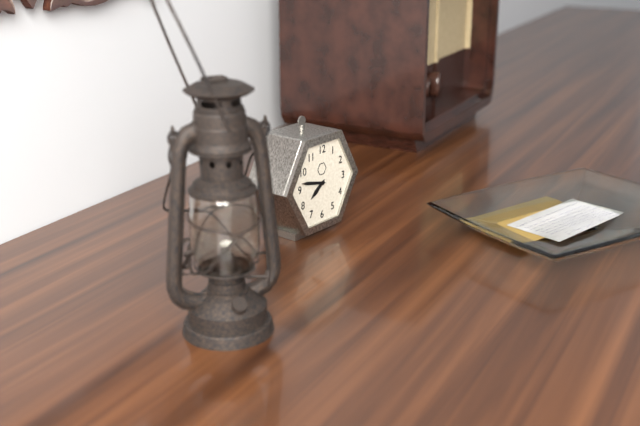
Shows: 7:47
